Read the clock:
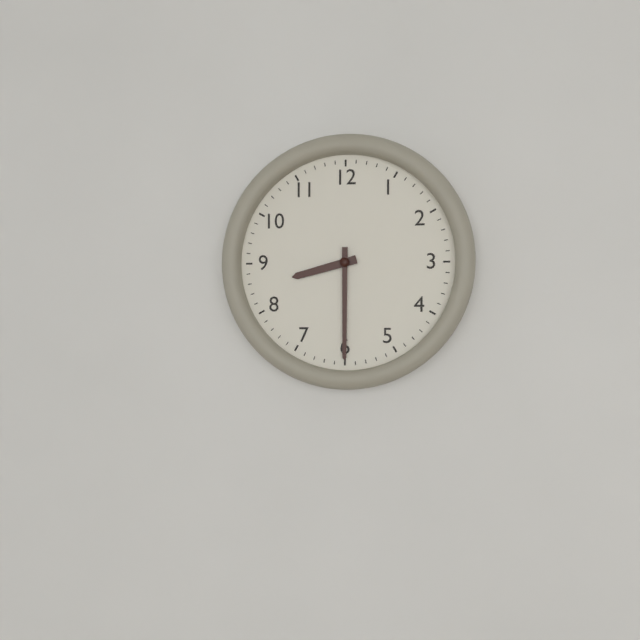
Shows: 8:30
